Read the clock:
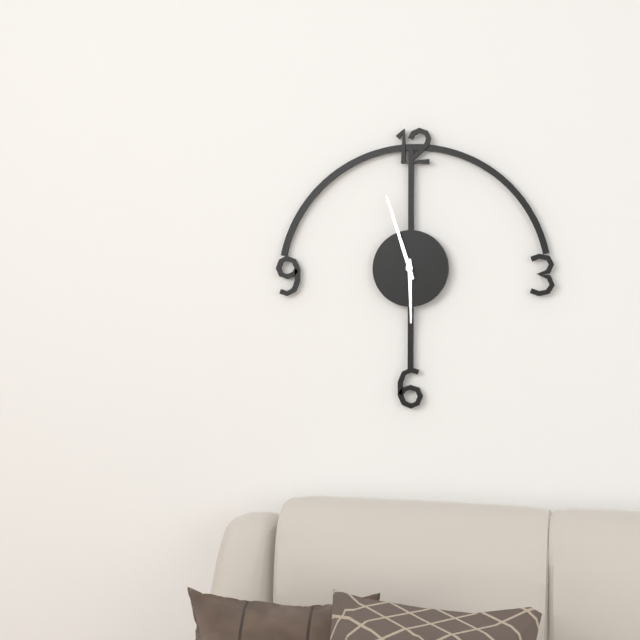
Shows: 5:57
